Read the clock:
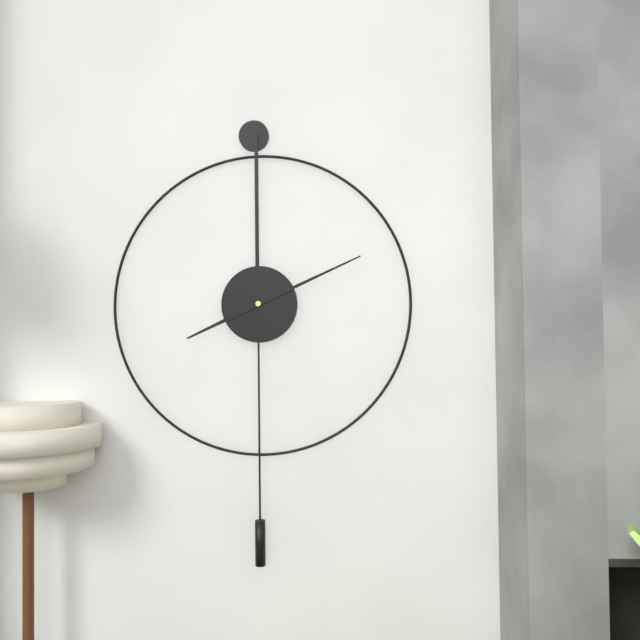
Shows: 8:11
